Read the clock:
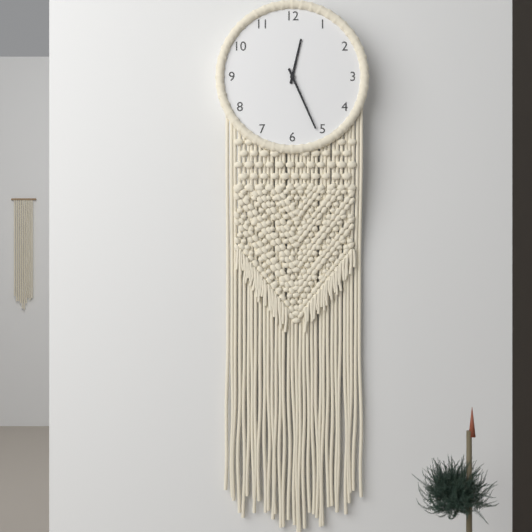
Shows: 12:26
